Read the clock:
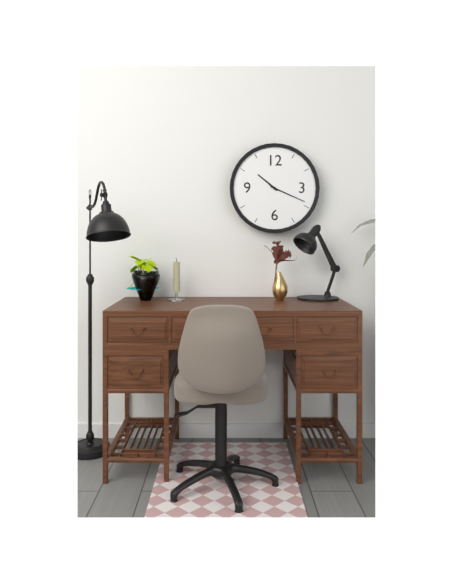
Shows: 10:19
